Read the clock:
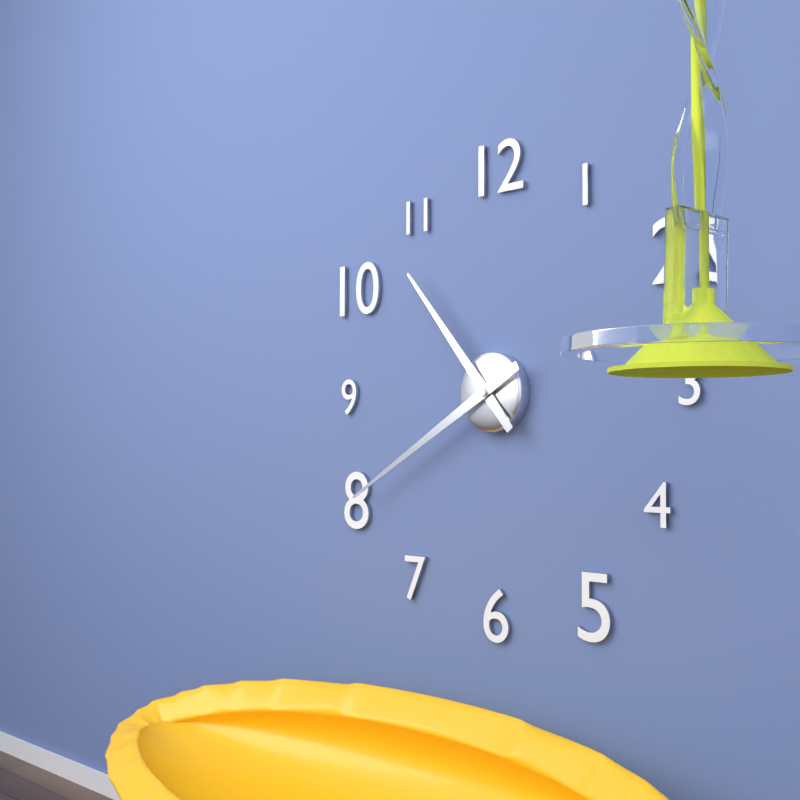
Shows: 10:40
